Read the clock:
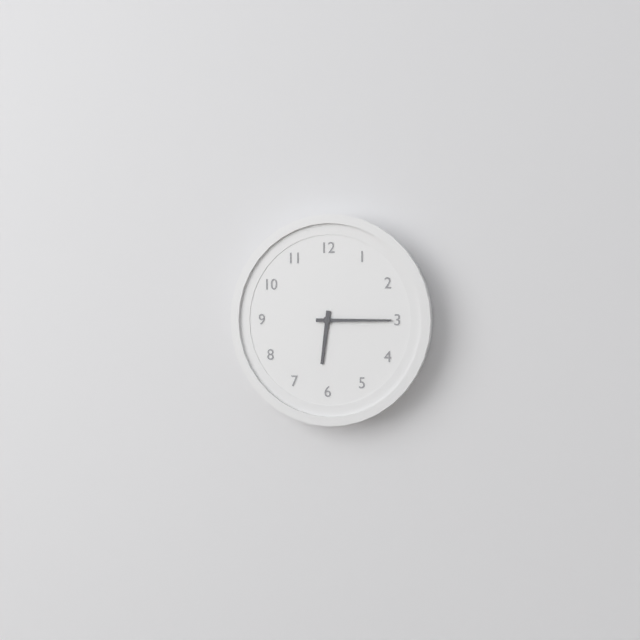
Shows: 6:15
